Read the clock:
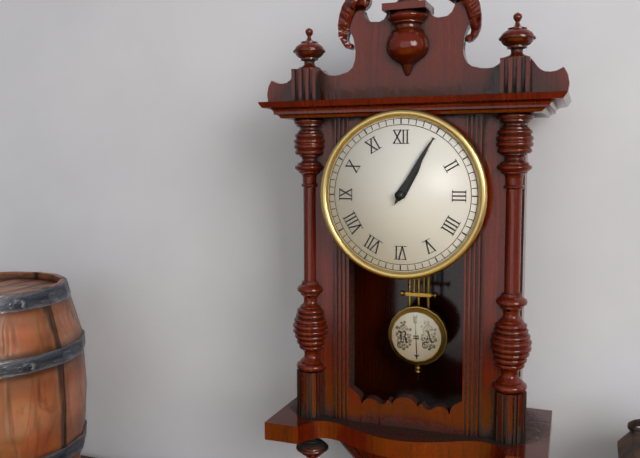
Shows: 1:05
